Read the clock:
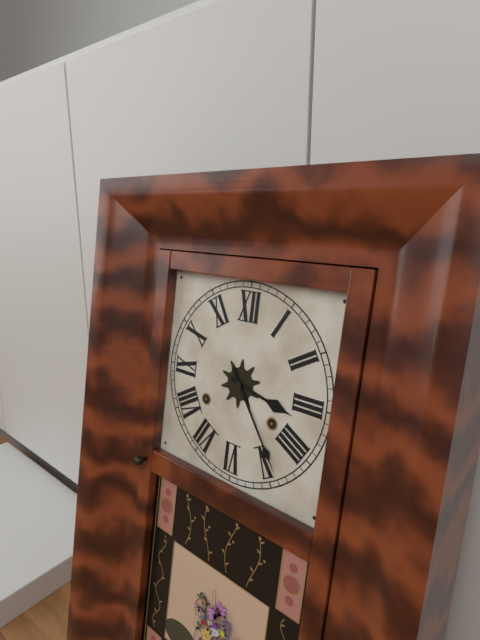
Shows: 3:24
